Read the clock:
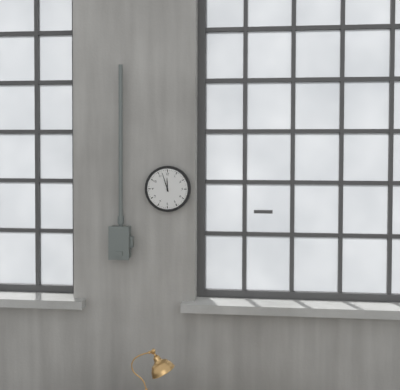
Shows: 11:57
